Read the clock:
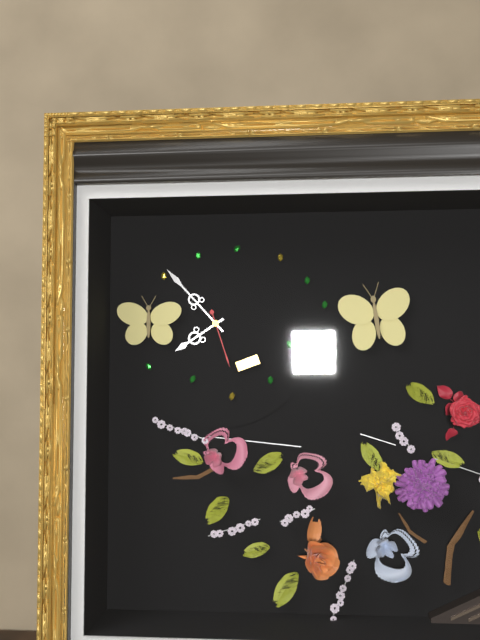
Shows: 7:53:27
